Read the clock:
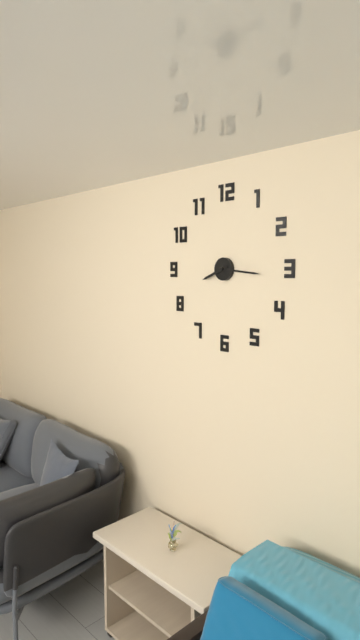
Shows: 8:16
